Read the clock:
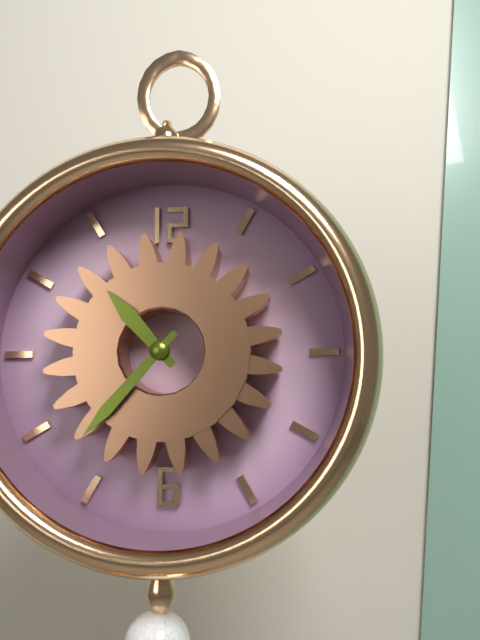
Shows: 10:37
